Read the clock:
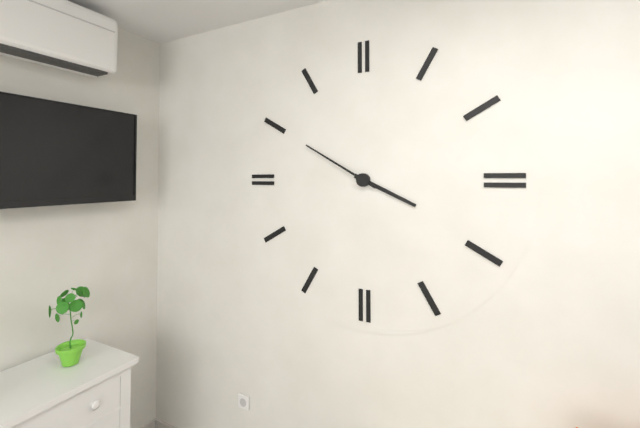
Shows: 3:50
